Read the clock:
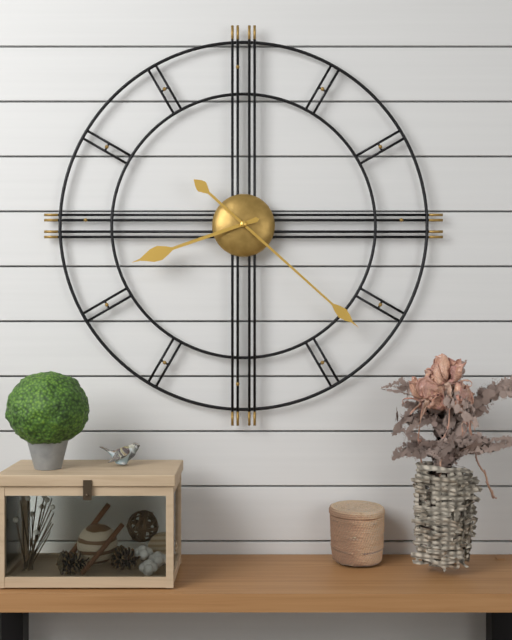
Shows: 8:22
